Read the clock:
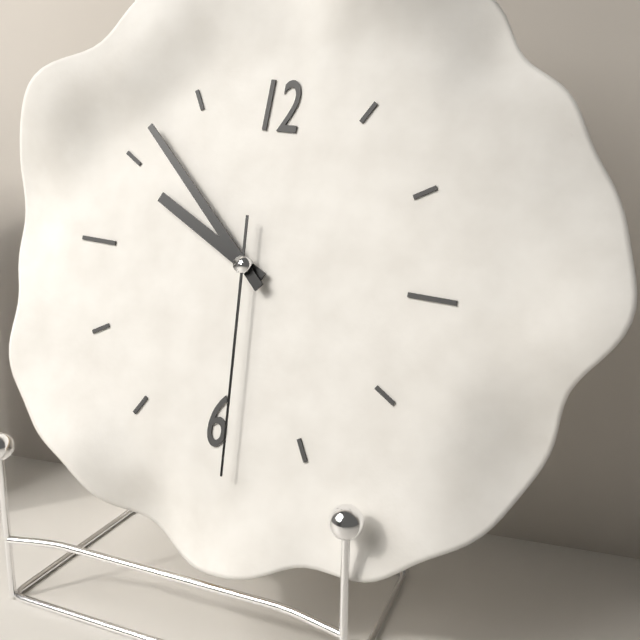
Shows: 9:52:29
